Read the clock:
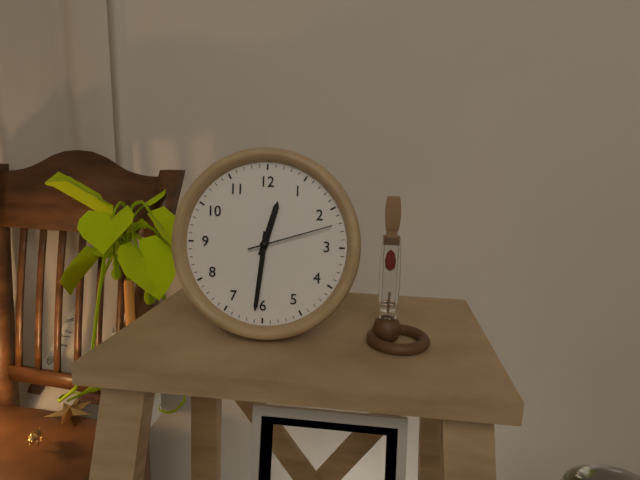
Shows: 12:31:12
